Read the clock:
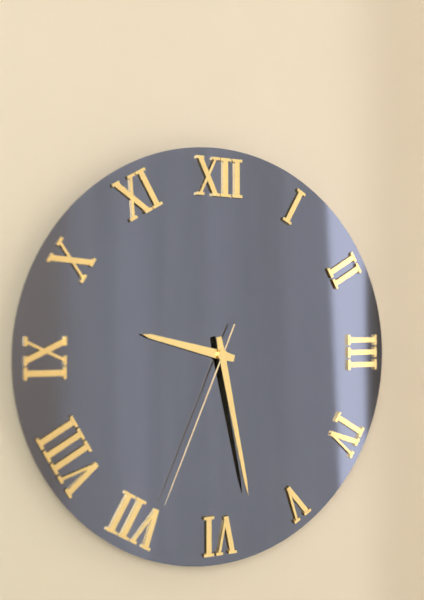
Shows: 9:28:34
